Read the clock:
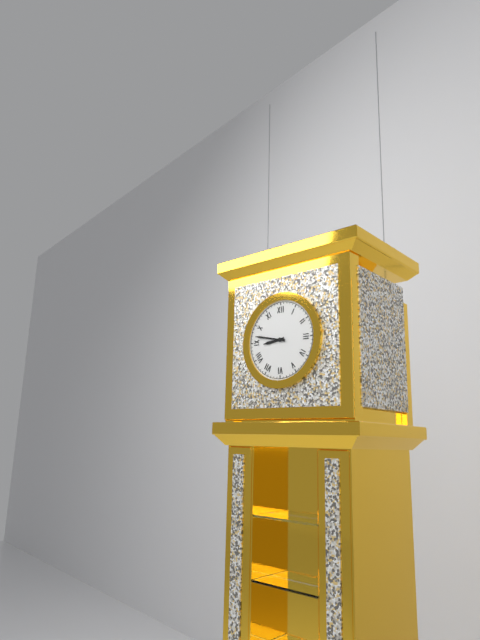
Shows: 8:47
